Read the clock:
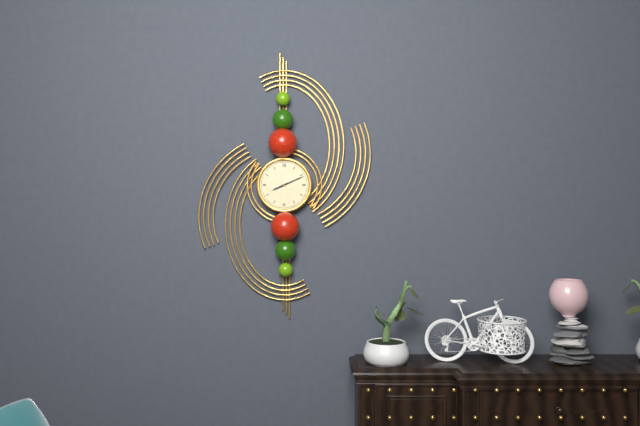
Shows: 8:11
